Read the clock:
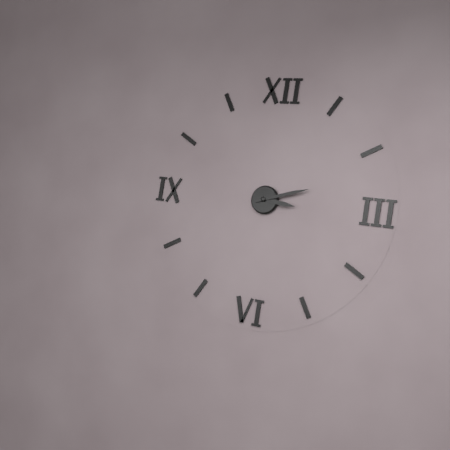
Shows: 3:12
